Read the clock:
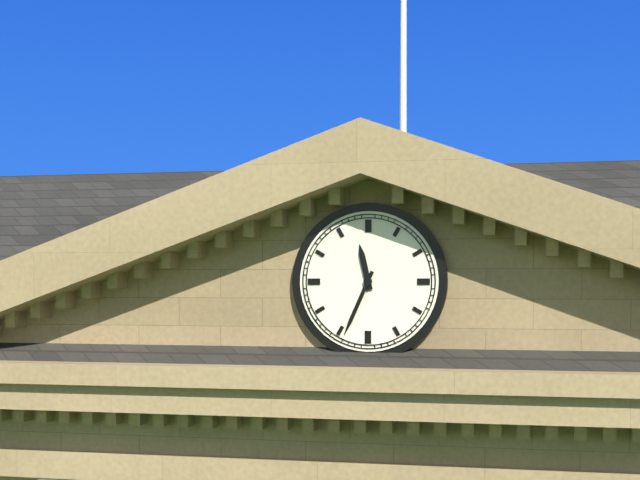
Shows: 11:34
